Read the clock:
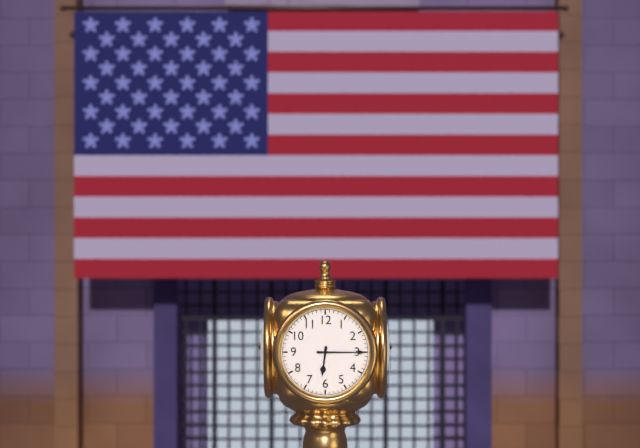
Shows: 6:15
